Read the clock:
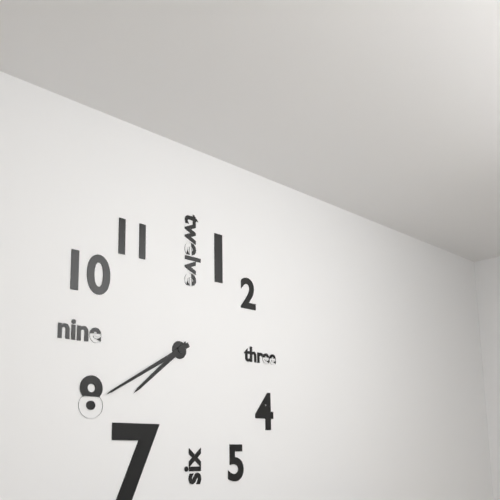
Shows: 7:40
